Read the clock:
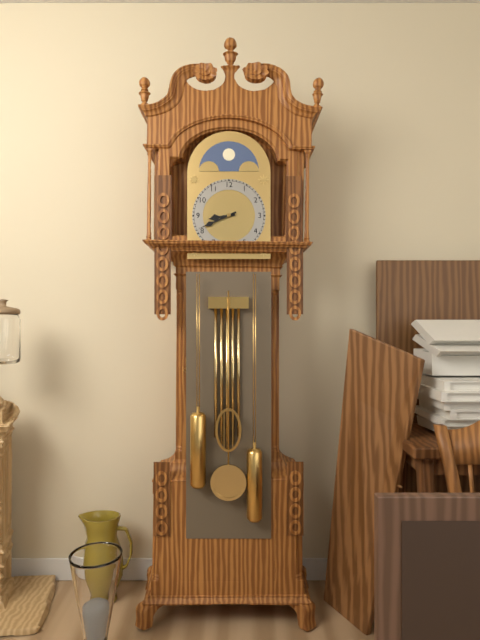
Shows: 8:41
